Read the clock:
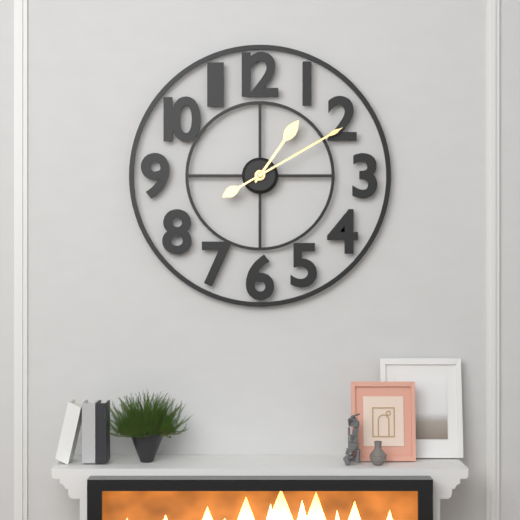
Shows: 1:10
